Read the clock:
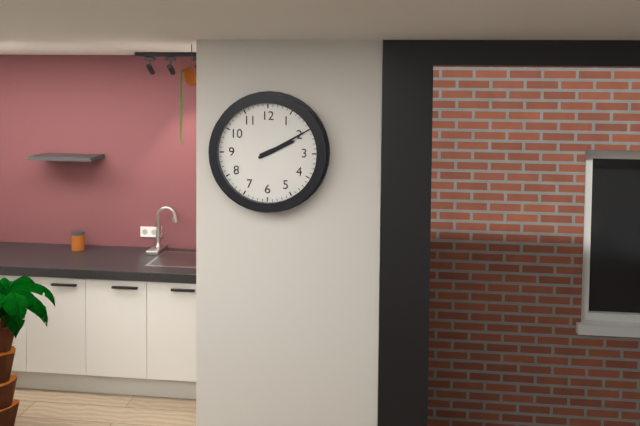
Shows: 2:10
